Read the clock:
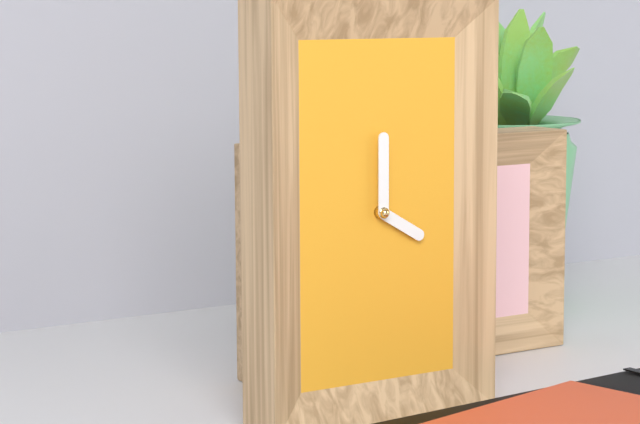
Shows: 4:00
